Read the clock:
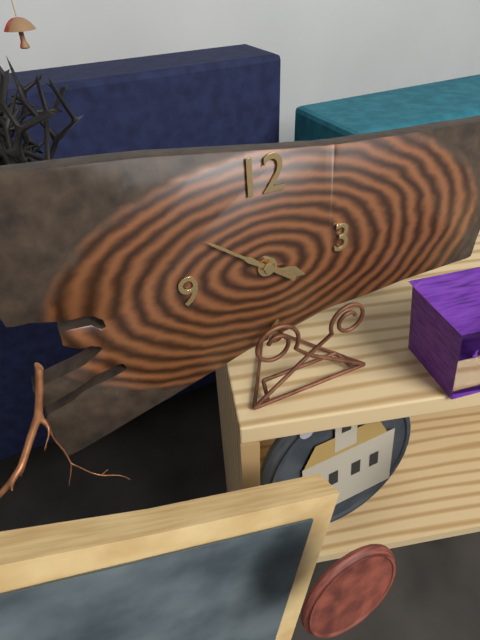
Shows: 3:51
